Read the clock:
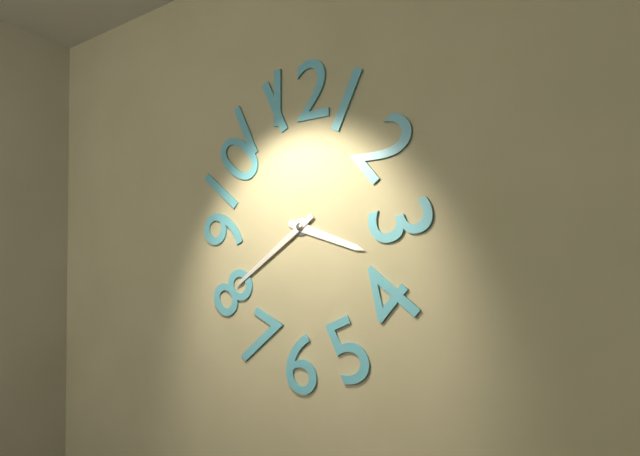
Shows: 3:39
